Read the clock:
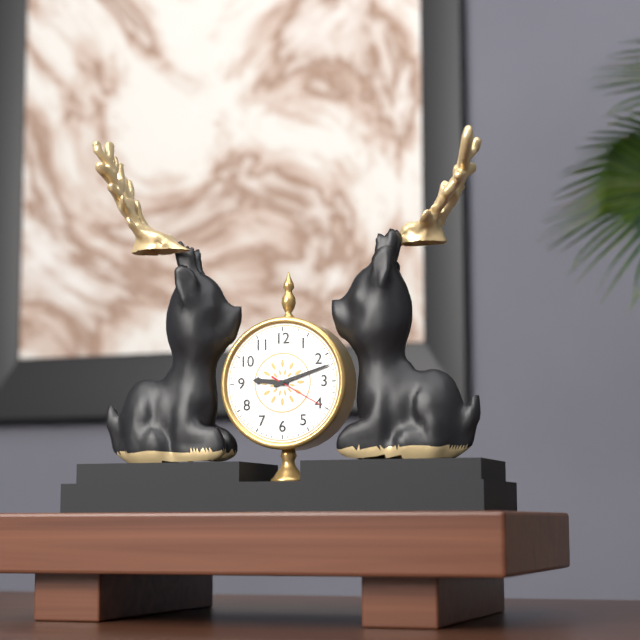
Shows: 9:12:20
